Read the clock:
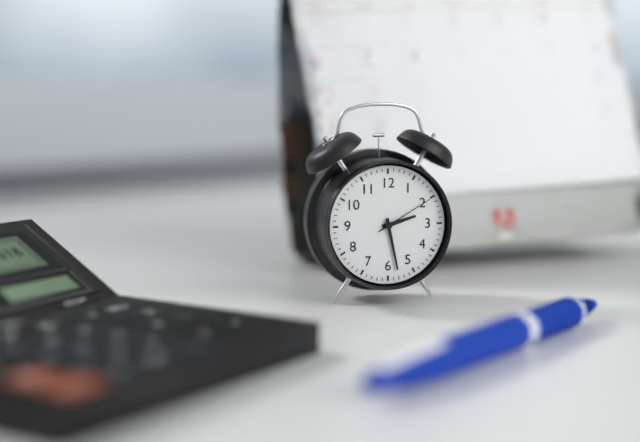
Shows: 2:28:10
